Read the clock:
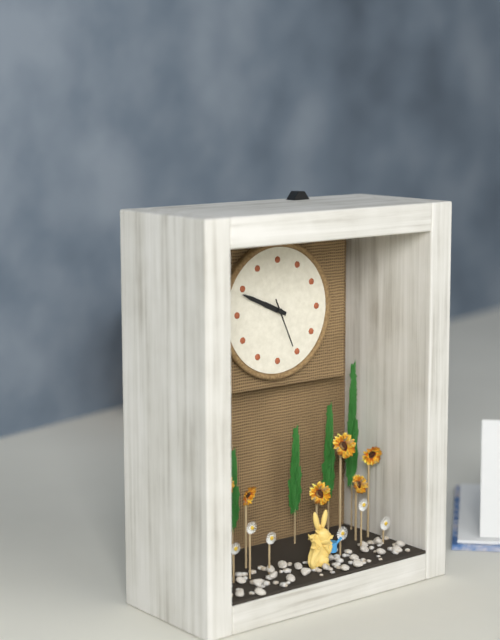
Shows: 9:49
